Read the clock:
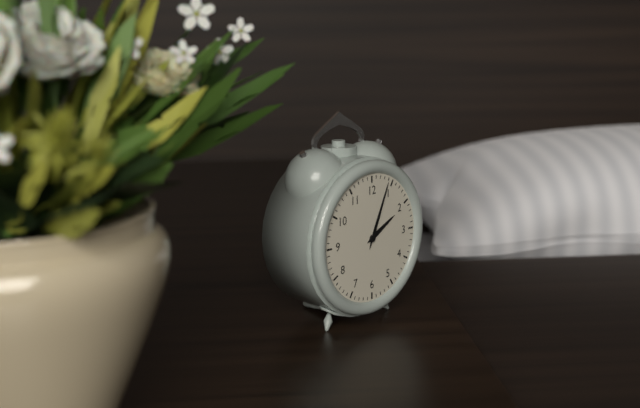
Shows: 2:04
